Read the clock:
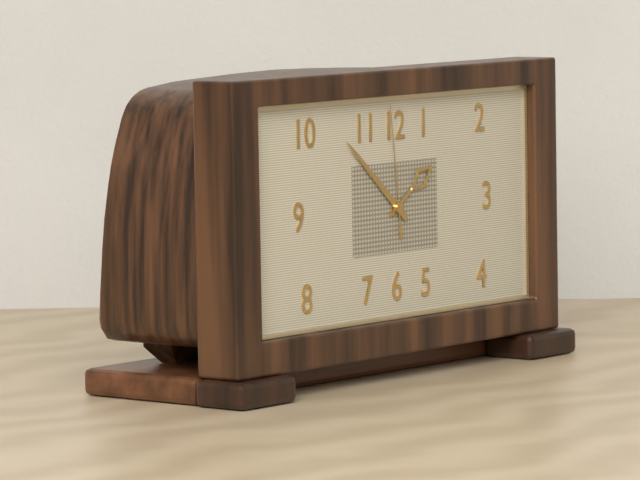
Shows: 1:52:59
